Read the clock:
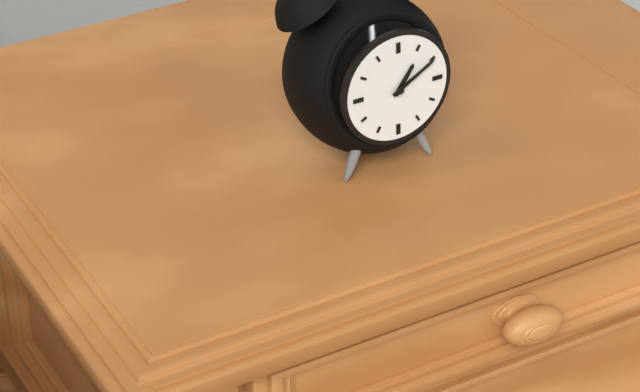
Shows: 1:10
